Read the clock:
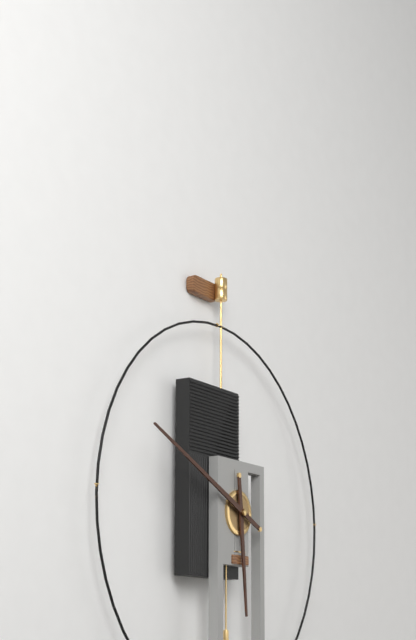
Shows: 5:49
